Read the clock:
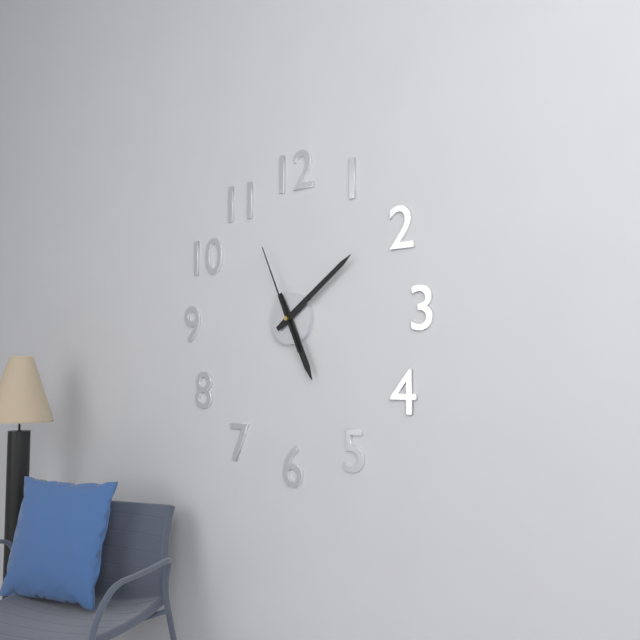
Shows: 5:09:56
